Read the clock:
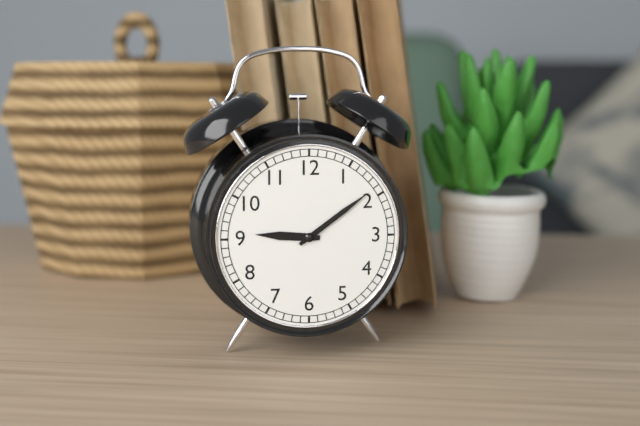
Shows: 9:09
